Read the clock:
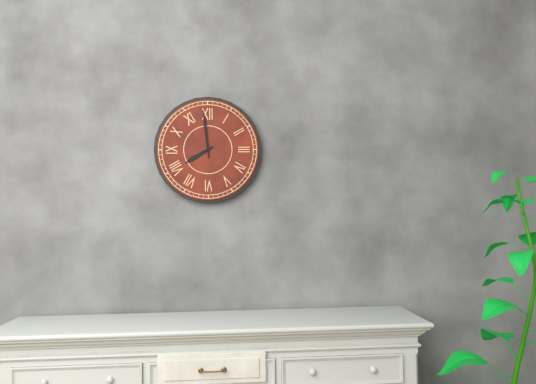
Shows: 7:59
